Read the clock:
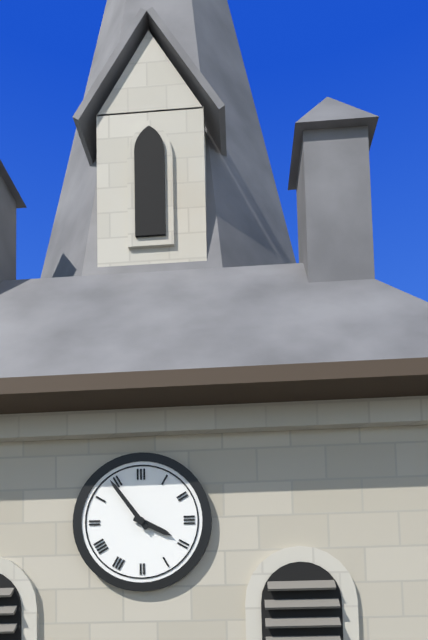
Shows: 3:54
